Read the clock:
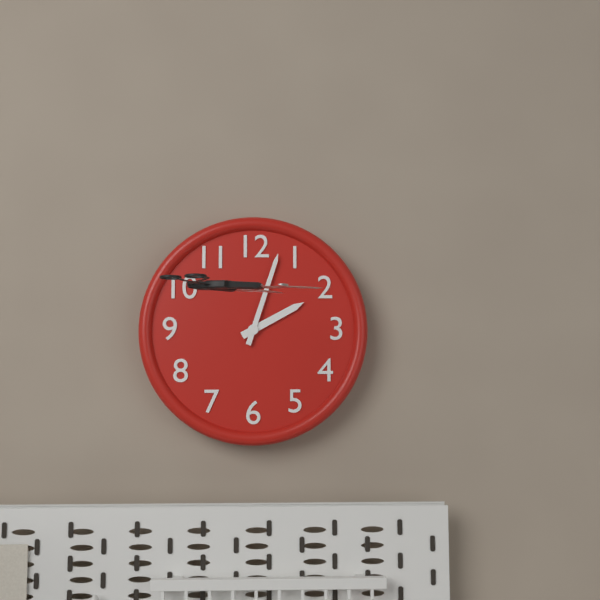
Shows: 2:03
